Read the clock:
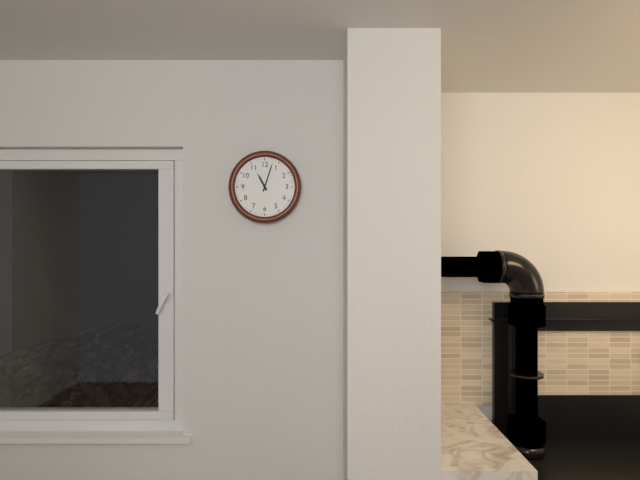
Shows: 11:03
